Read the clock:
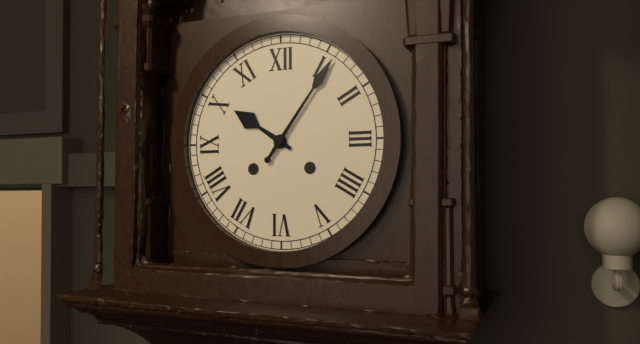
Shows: 10:06
